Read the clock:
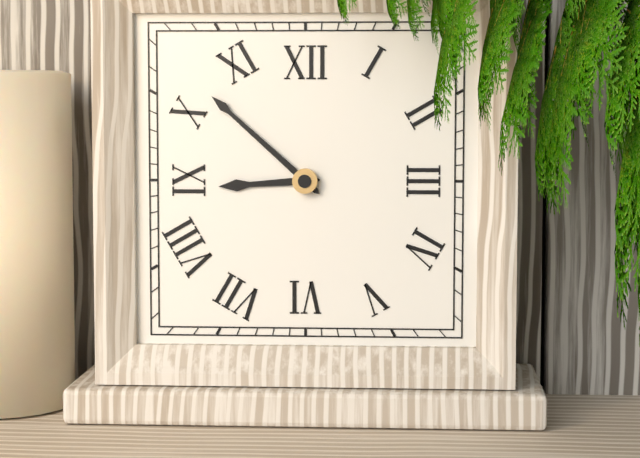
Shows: 8:52
